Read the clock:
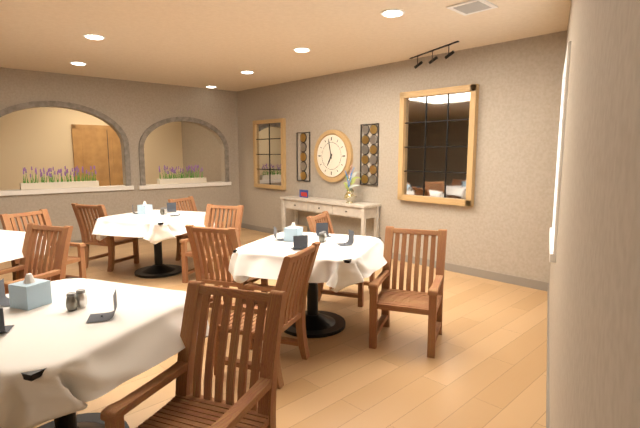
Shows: 6:58
